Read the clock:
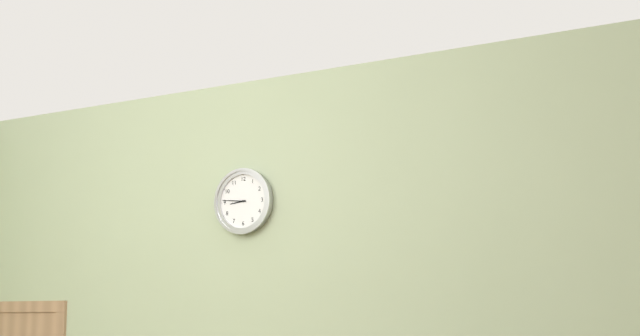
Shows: 8:46
